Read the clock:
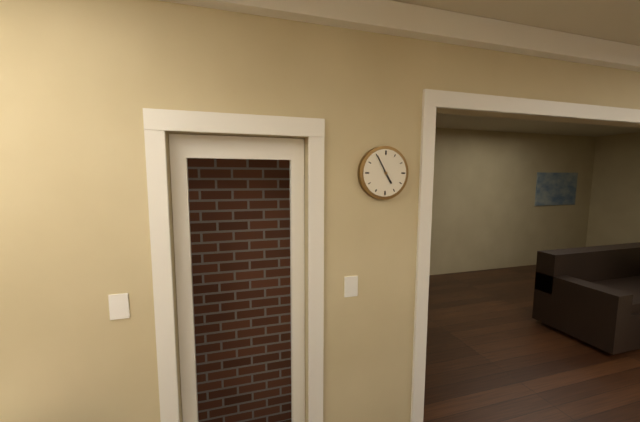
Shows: 4:55
